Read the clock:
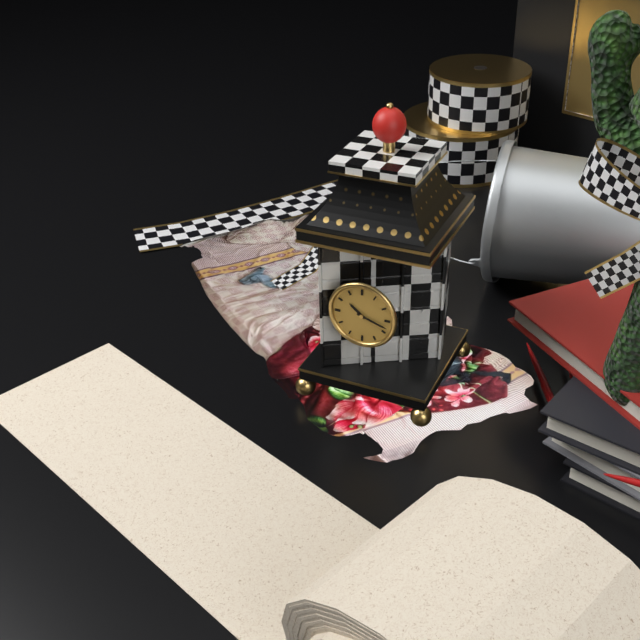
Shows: 10:18
